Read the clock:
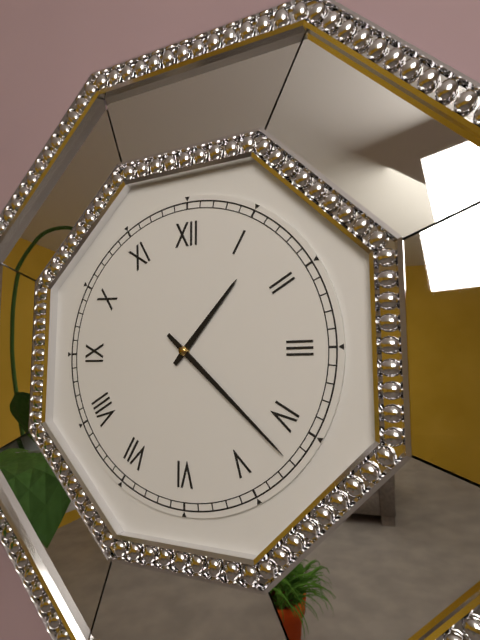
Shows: 1:22
